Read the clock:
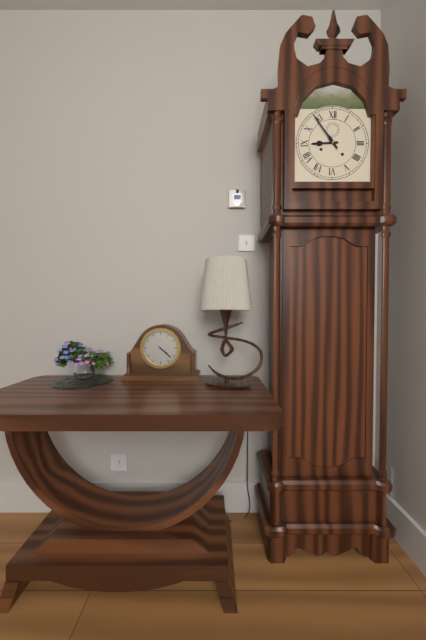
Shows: 8:54
